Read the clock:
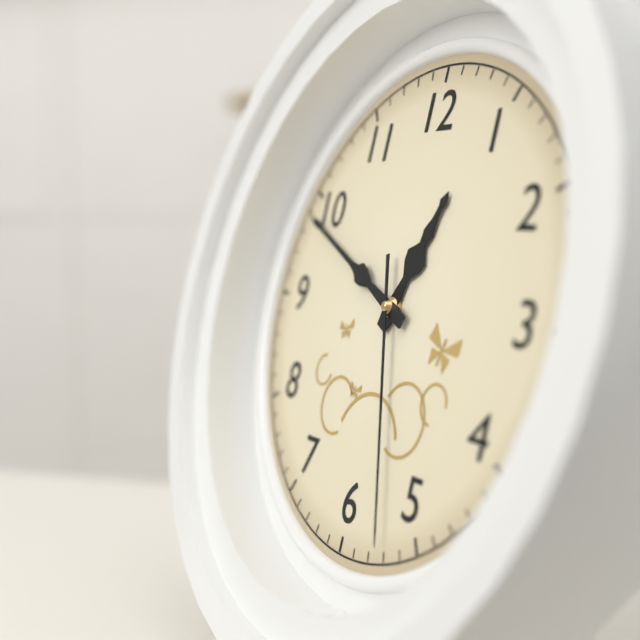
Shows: 12:49:27
